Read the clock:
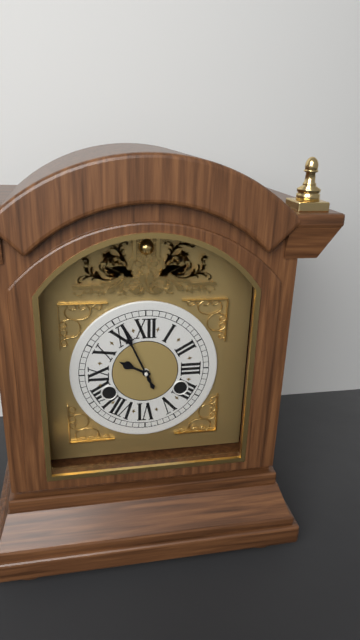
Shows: 9:56
